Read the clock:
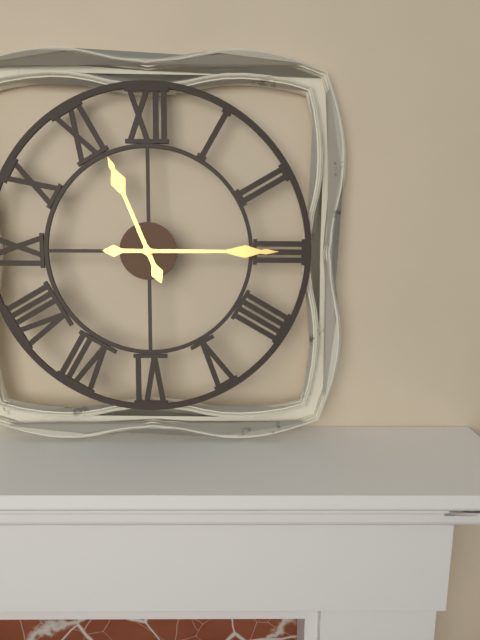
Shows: 11:15
